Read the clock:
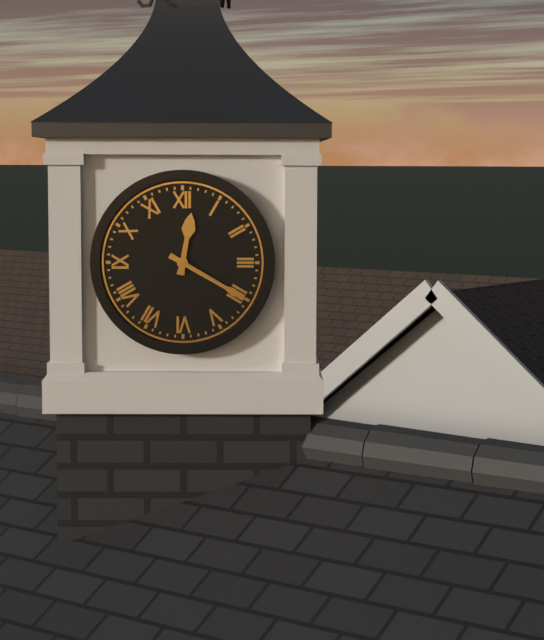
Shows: 12:20
